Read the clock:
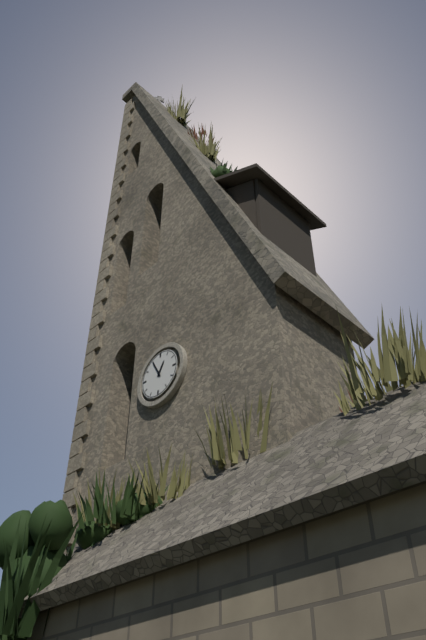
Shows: 12:55
